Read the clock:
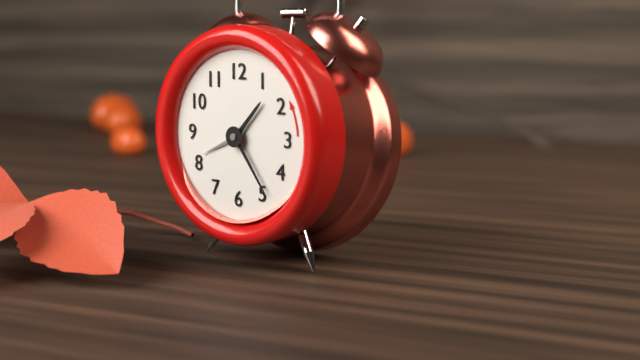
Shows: 1:24
